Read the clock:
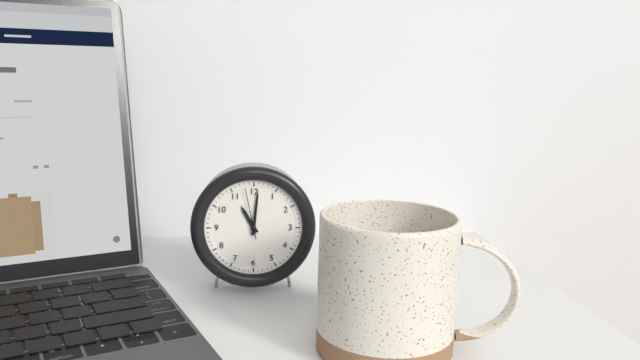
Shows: 11:01:58
